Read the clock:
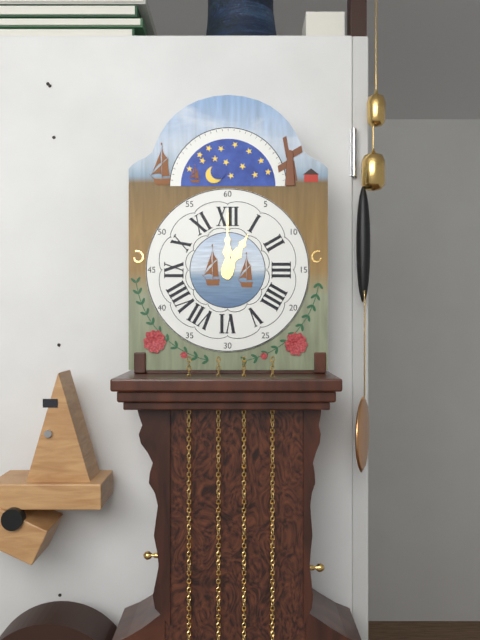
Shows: 1:00
